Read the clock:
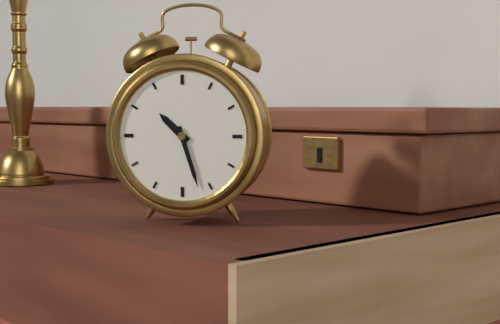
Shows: 10:27
